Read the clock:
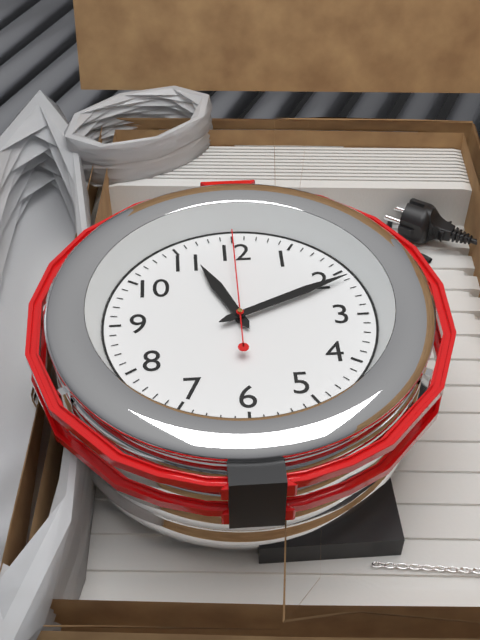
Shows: 11:11:00
